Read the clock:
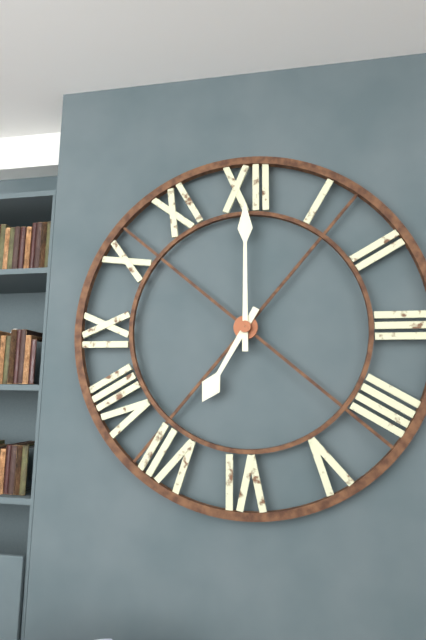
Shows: 7:00
